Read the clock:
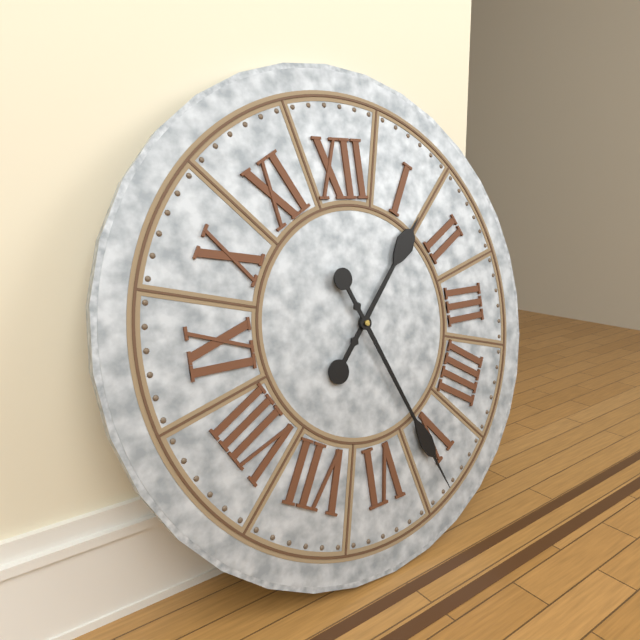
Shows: 1:26
